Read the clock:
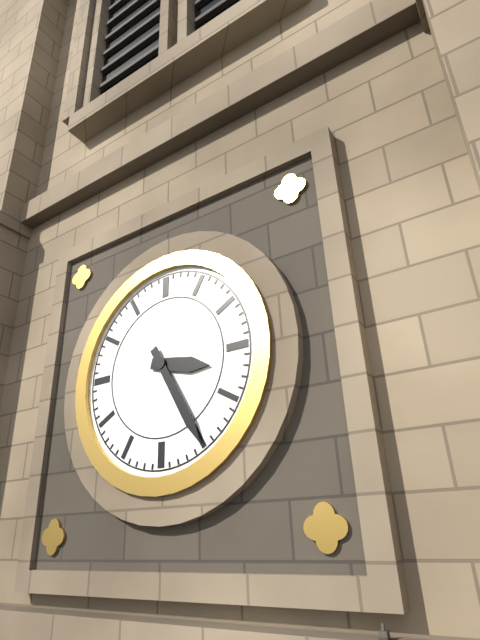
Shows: 3:25
